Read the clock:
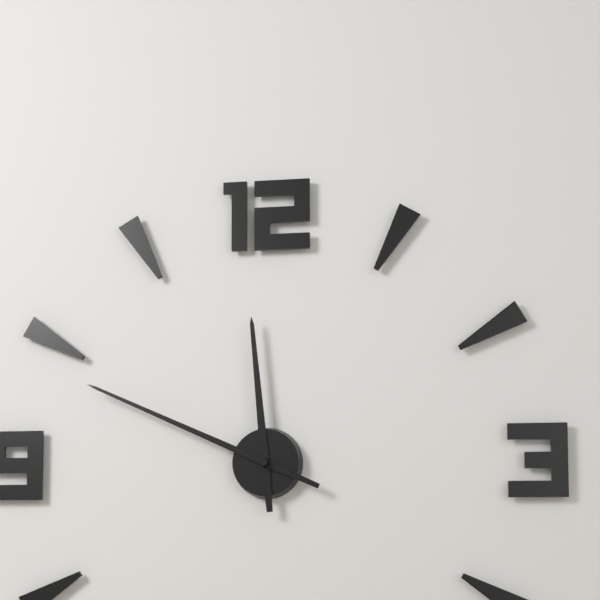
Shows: 11:49
